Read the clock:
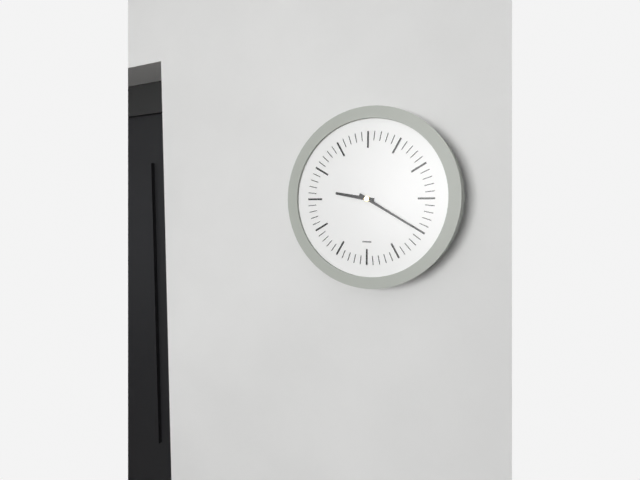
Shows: 9:20
